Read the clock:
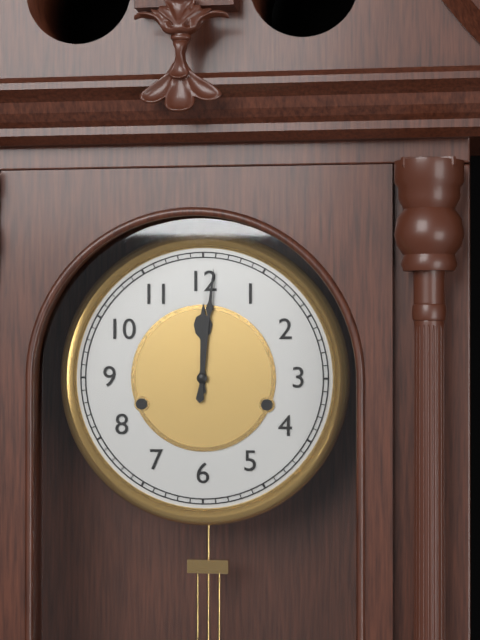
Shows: 12:01
